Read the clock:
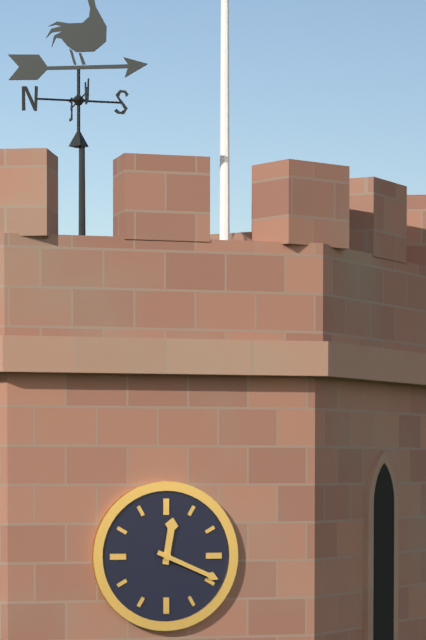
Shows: 12:19
